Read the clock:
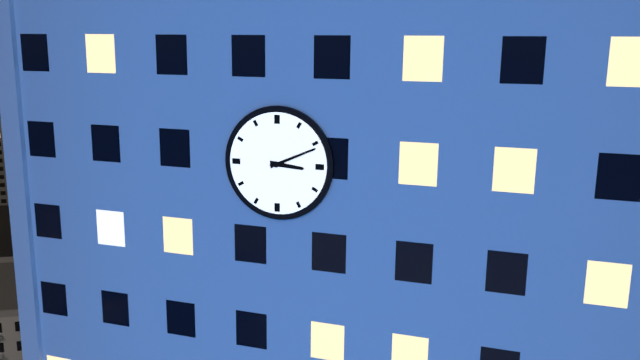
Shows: 3:11
